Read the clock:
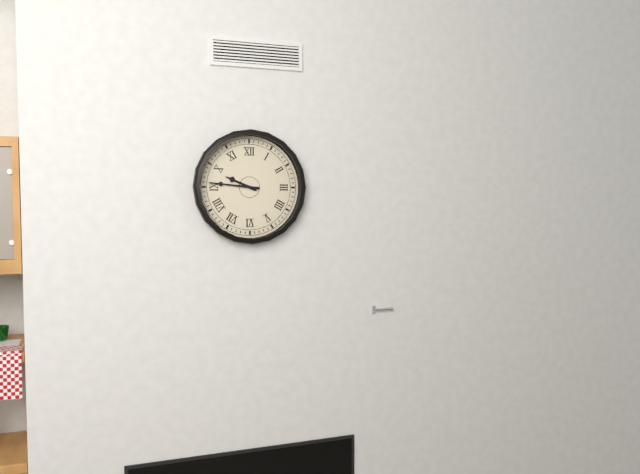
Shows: 9:46
